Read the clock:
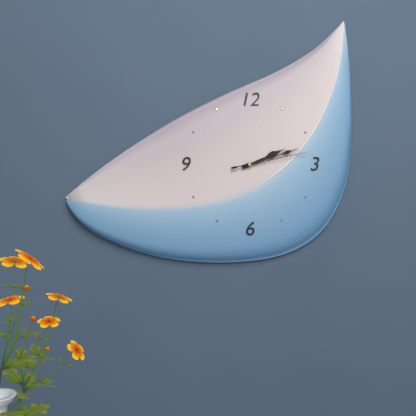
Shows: 2:12:13
